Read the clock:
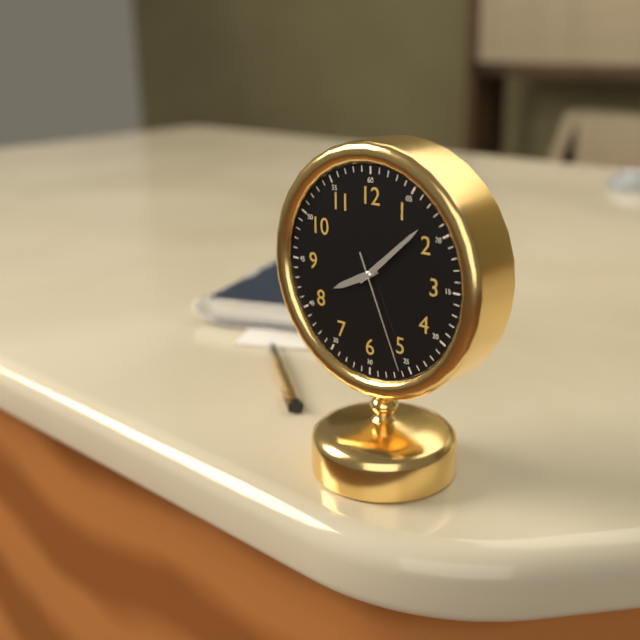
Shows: 8:08:26
